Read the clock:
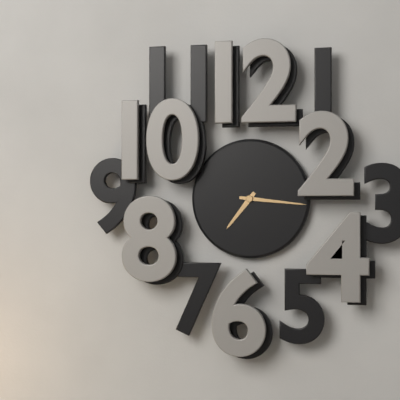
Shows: 7:16
